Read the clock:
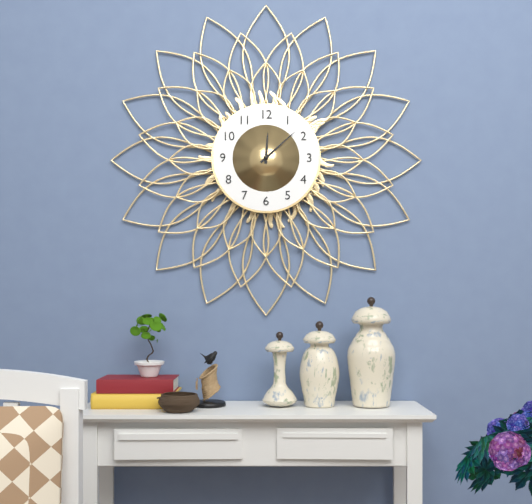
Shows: 12:08
